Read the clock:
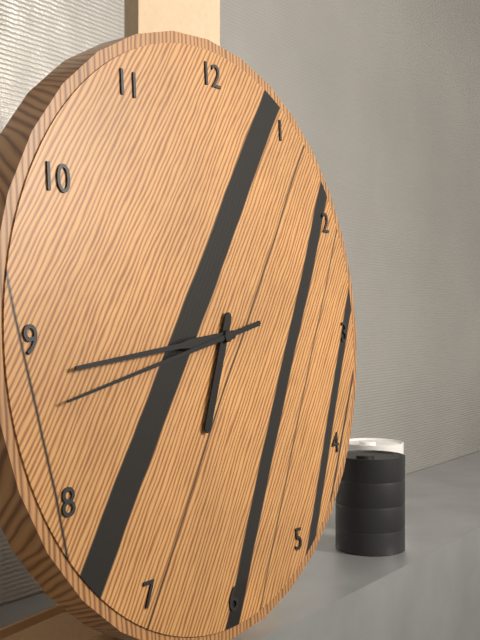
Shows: 6:44:43
